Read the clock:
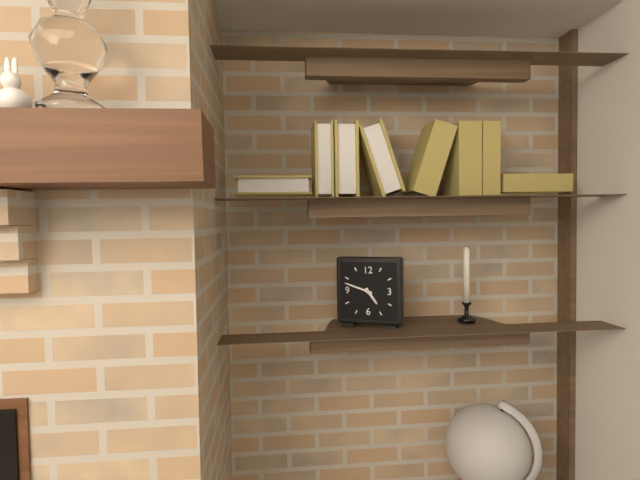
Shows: 4:48
